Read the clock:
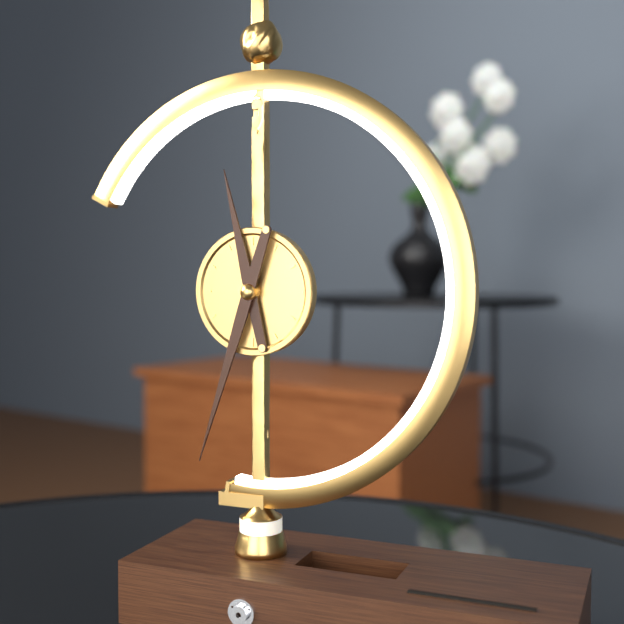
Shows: 11:33
